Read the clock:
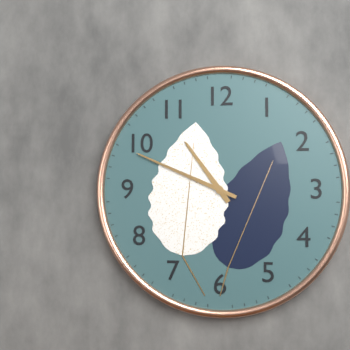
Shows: 10:49
